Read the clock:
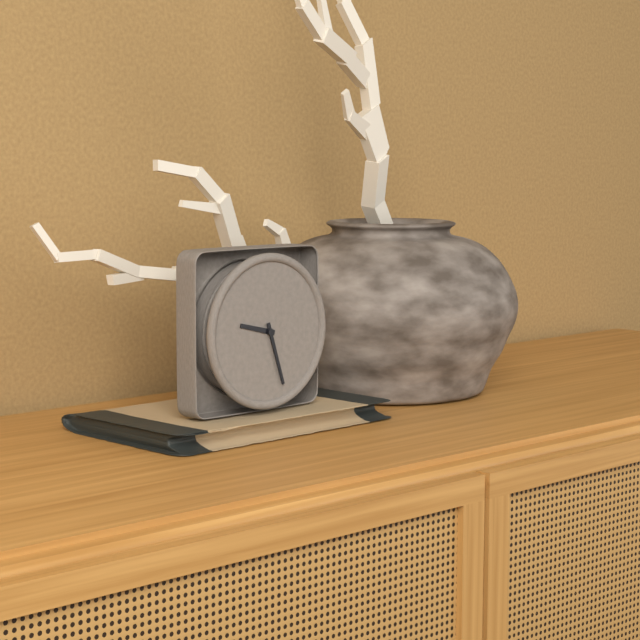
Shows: 9:27
